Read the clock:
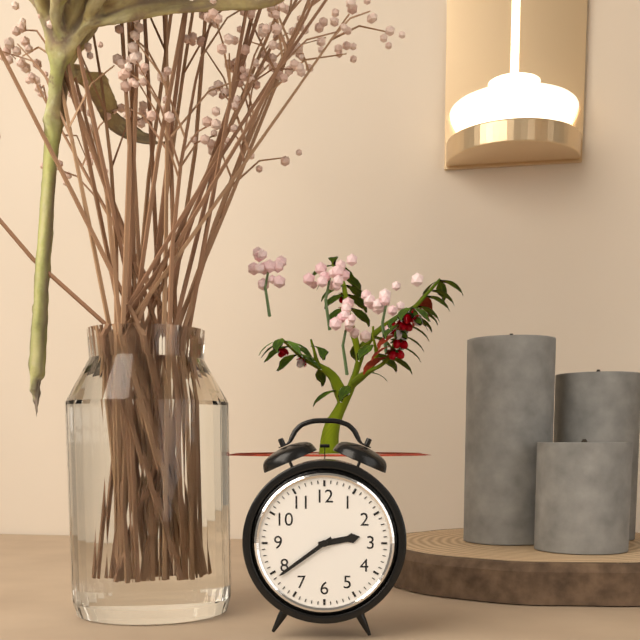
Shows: 2:39
